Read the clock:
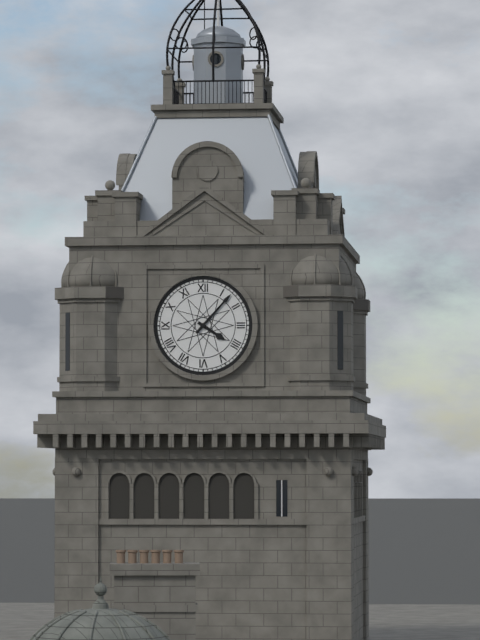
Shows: 4:07
